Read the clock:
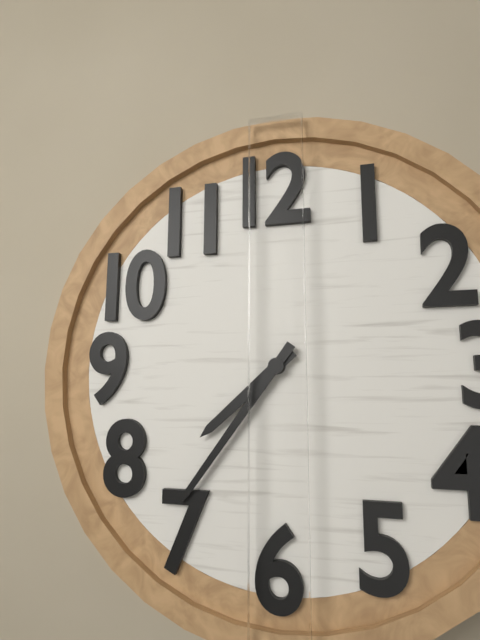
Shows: 7:36
